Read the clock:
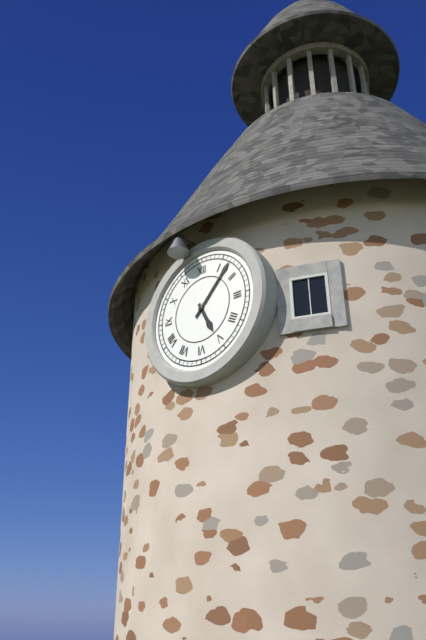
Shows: 5:07
